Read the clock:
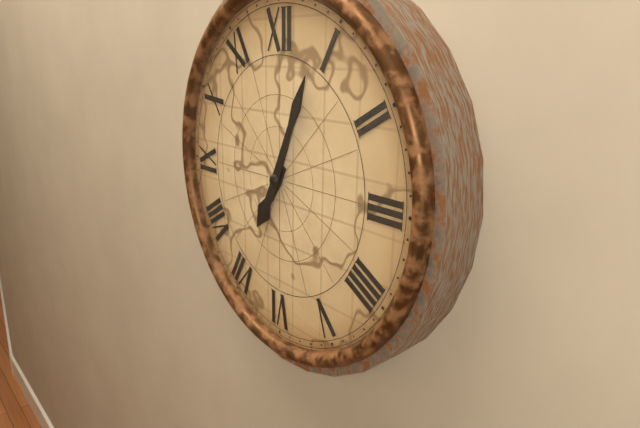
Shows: 7:04
